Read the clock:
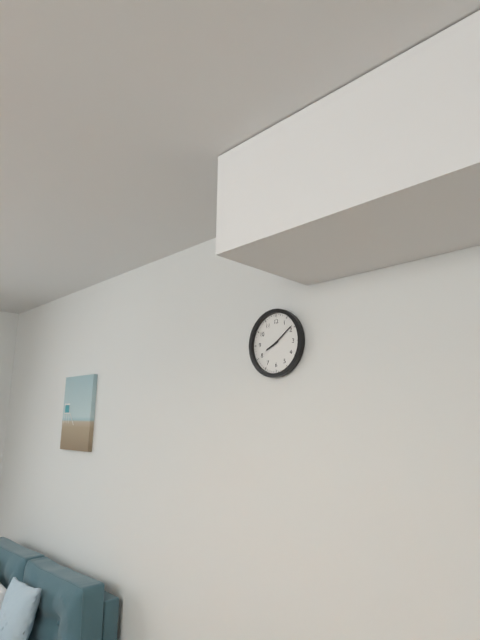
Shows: 8:09
